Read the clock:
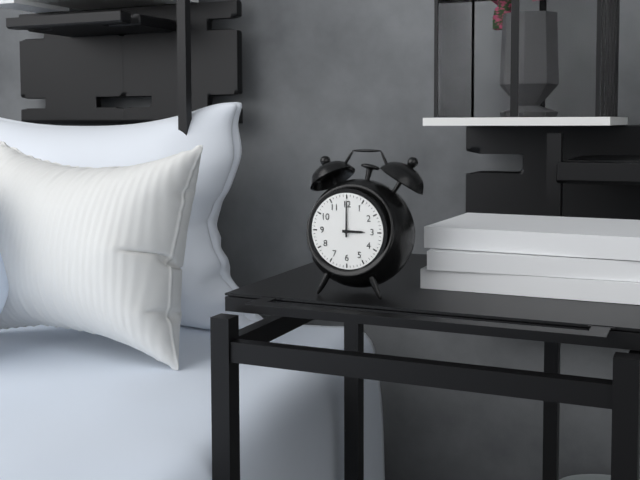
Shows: 3:00
